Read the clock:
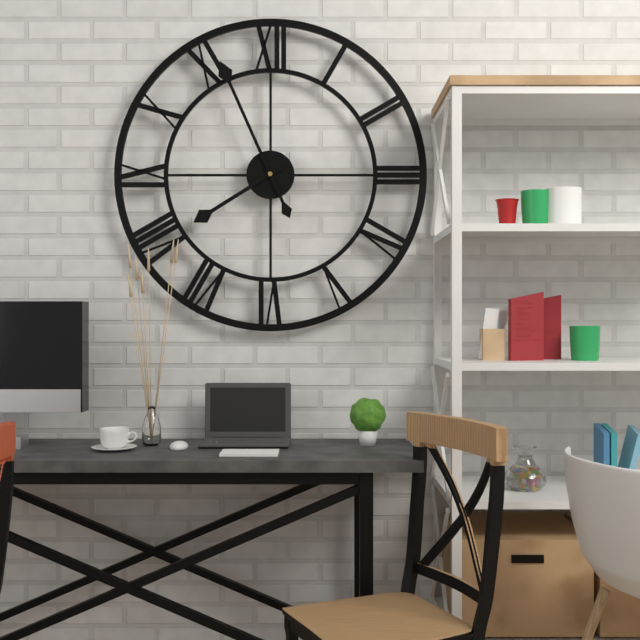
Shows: 7:56
